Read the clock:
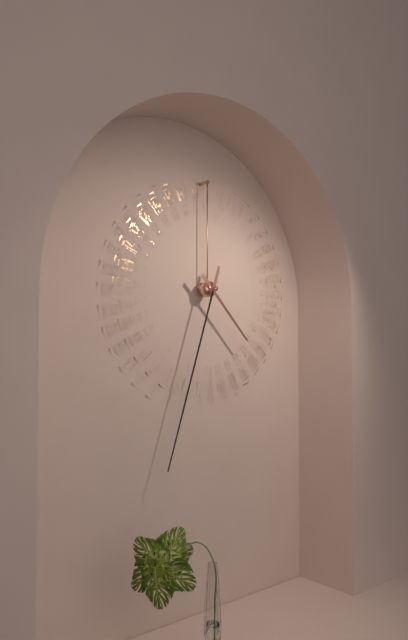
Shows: 4:33
